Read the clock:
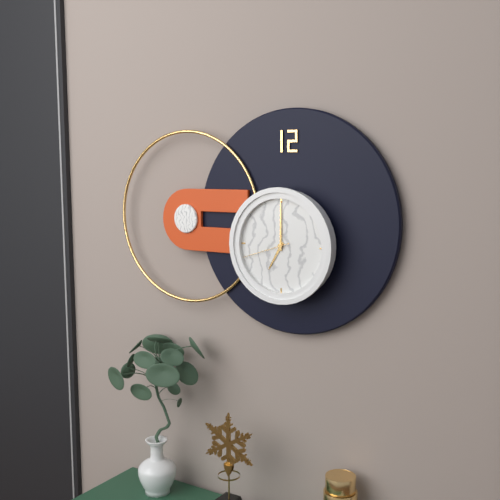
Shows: 7:00:42
